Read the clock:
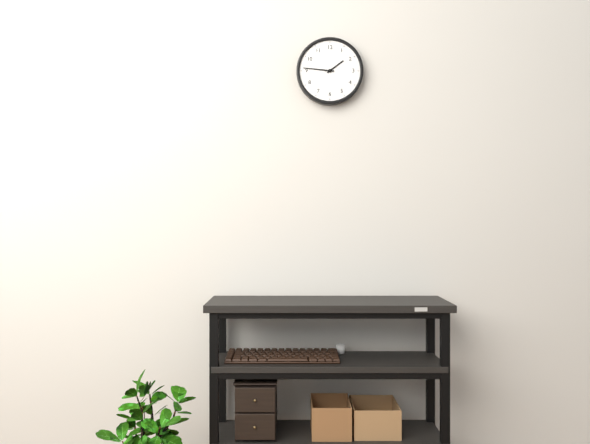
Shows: 1:46
